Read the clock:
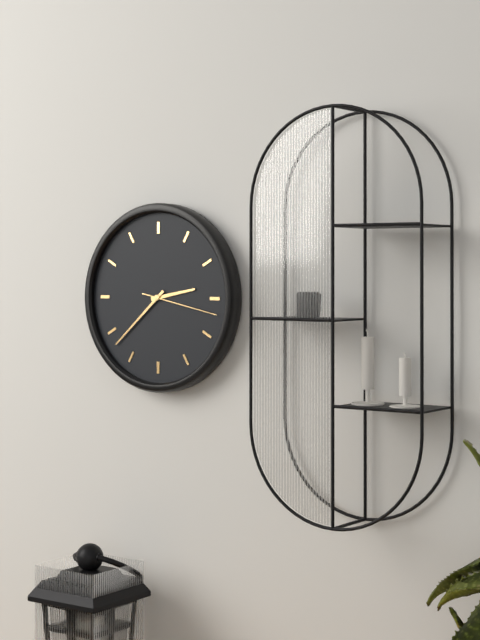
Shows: 2:38:17
